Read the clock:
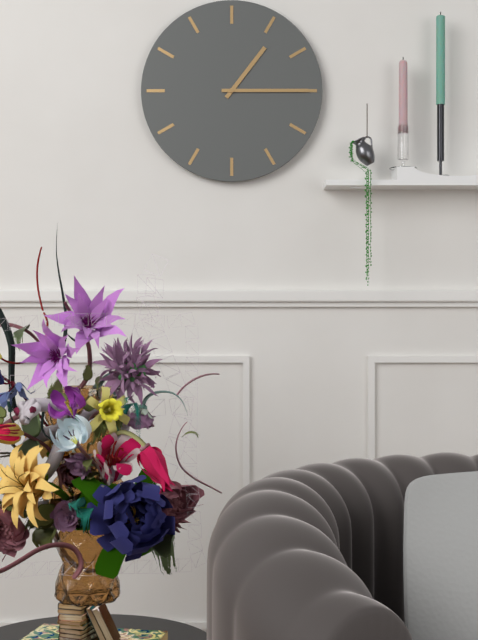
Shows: 1:15
